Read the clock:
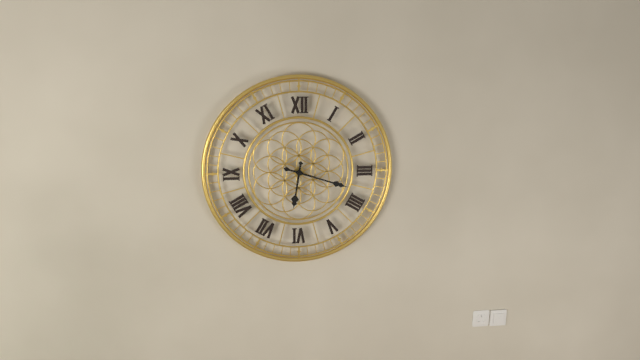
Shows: 6:18
